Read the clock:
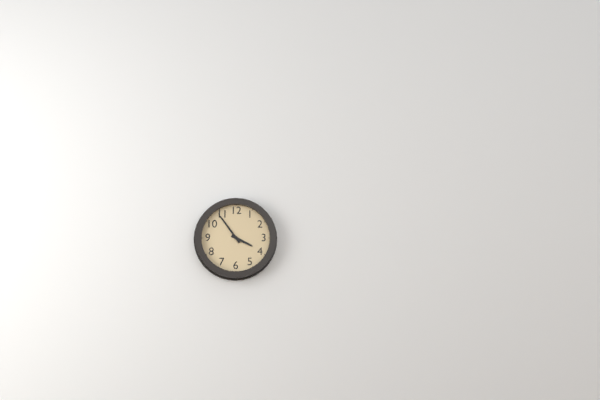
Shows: 3:54
